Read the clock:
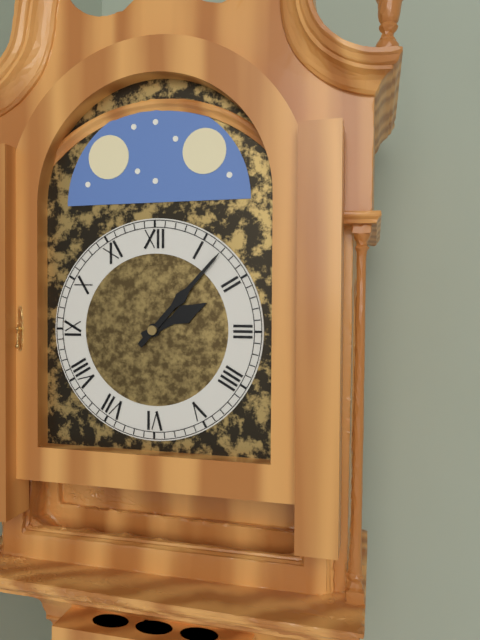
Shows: 2:07
